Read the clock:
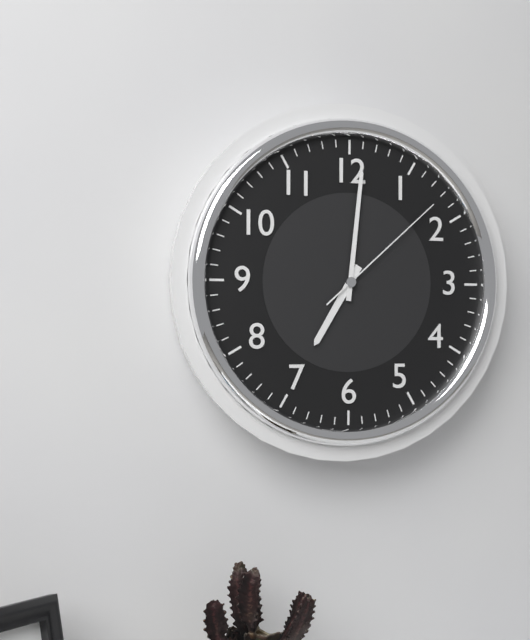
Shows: 7:01:08
